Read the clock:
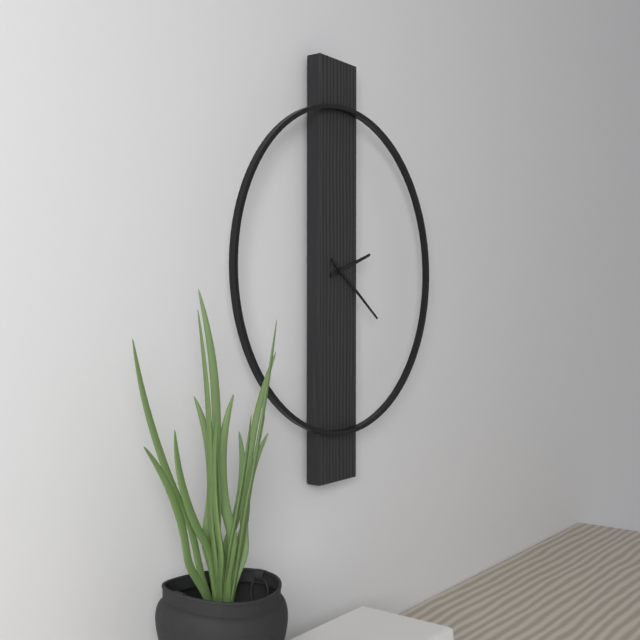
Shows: 2:21
